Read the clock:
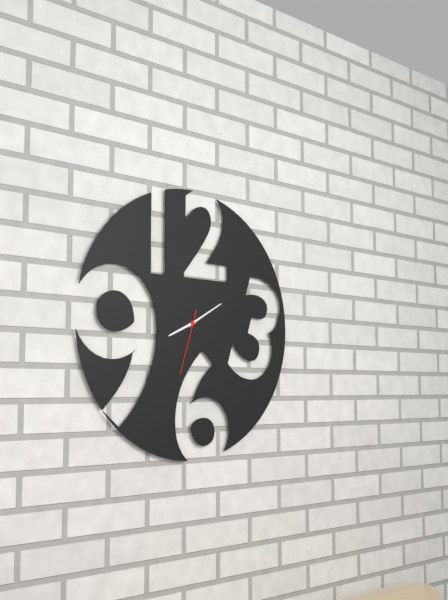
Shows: 8:10:33
